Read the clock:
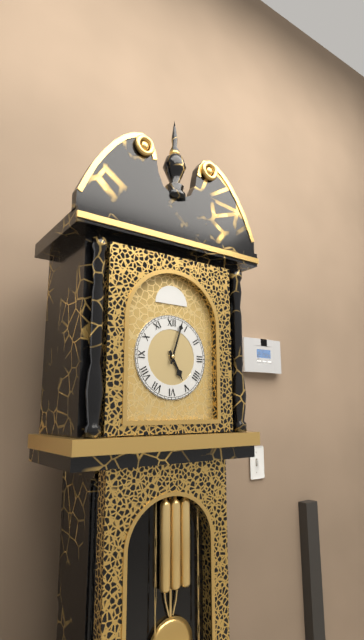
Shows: 5:03
